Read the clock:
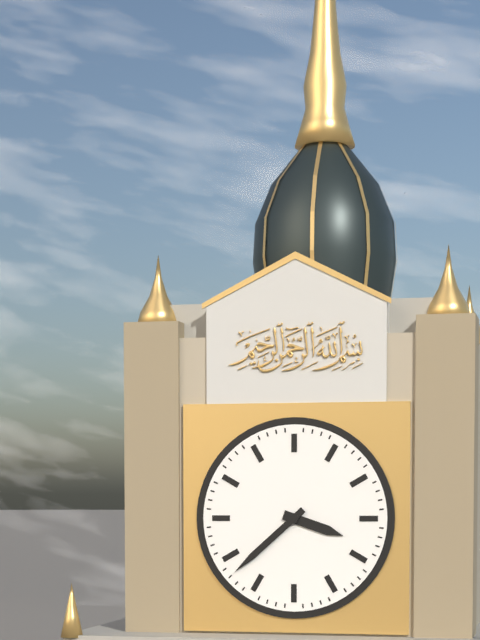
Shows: 3:38
